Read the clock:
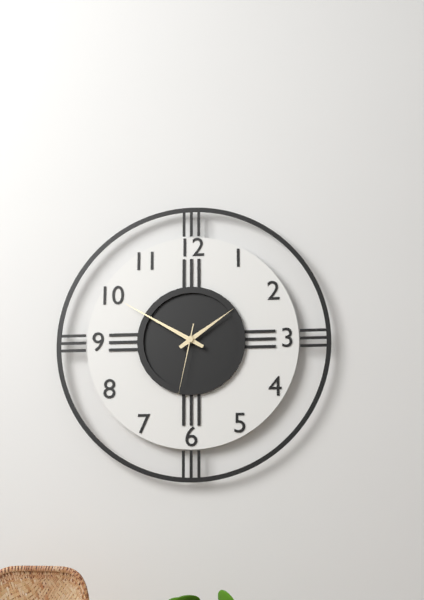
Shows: 1:50:32
